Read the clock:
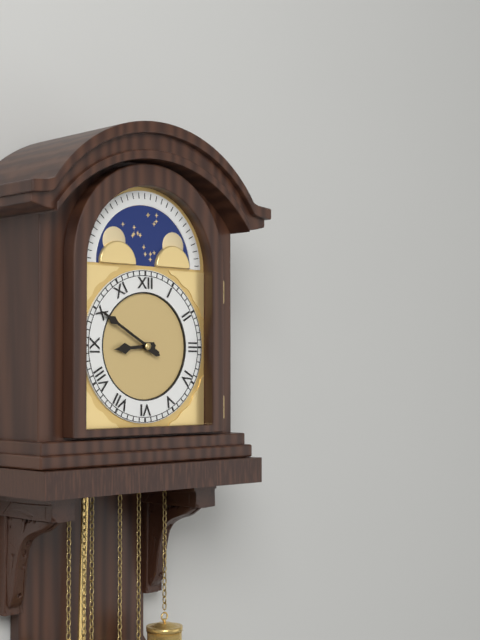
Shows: 8:50
